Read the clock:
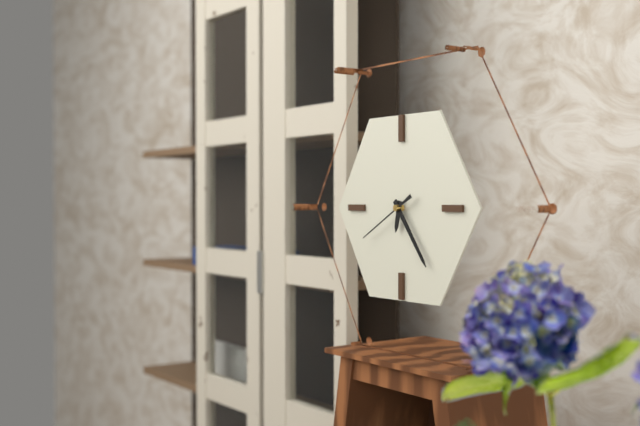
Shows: 6:24:40
